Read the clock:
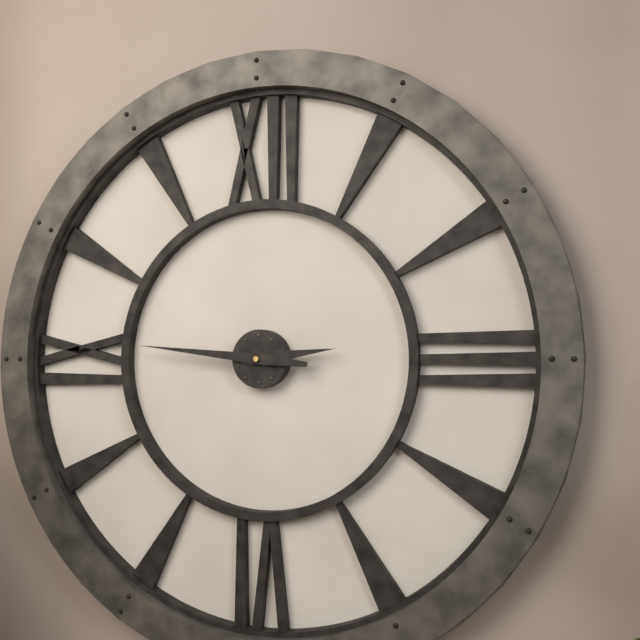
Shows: 2:46
